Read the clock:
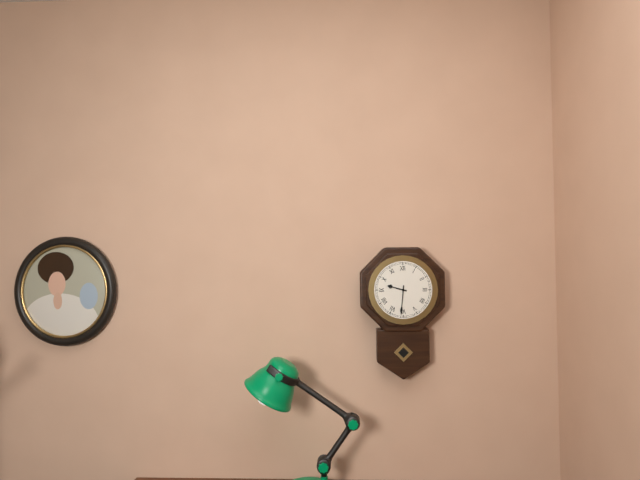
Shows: 9:31
